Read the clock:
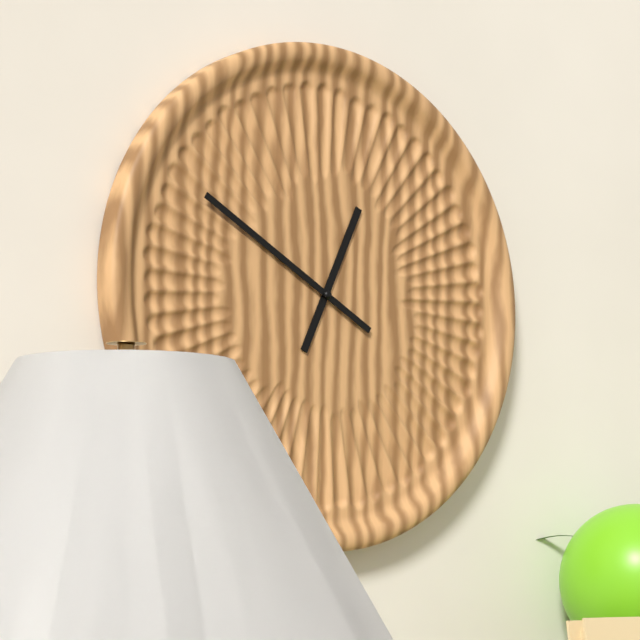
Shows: 12:50
